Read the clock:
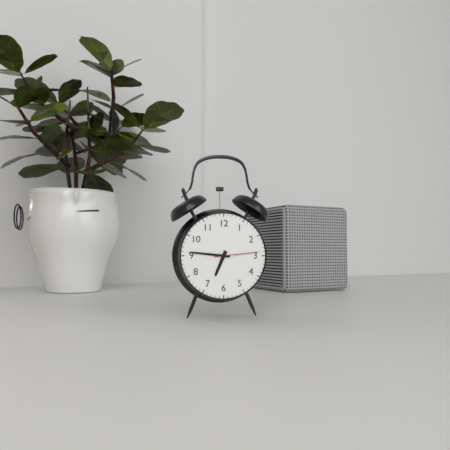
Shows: 6:46
